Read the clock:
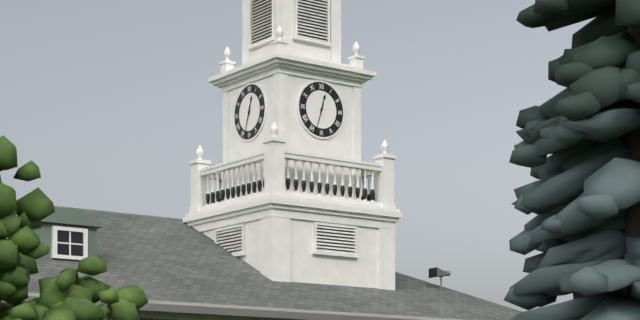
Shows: 12:33
